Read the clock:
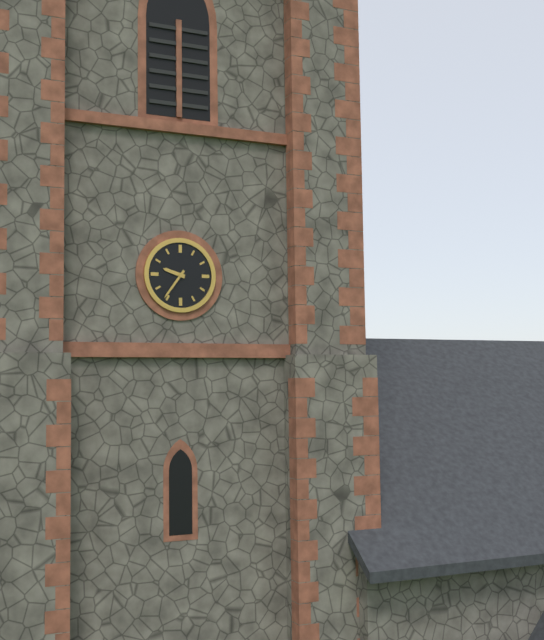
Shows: 9:36
